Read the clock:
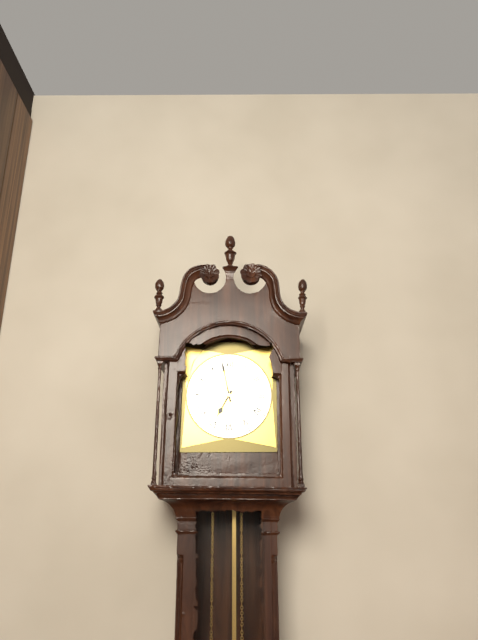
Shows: 6:58
